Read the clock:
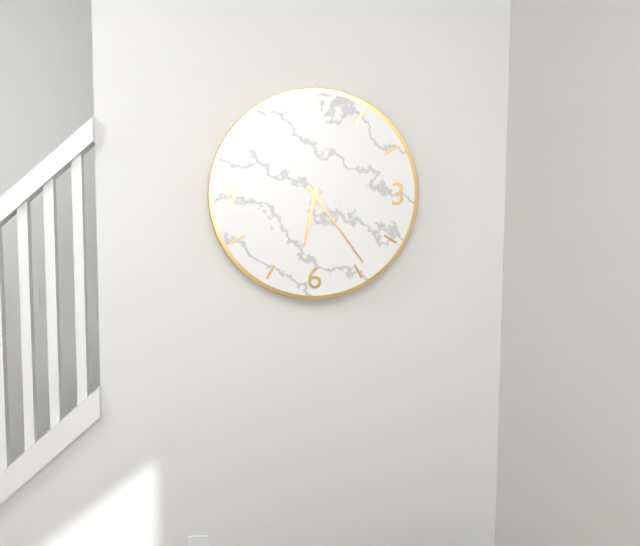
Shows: 6:24
